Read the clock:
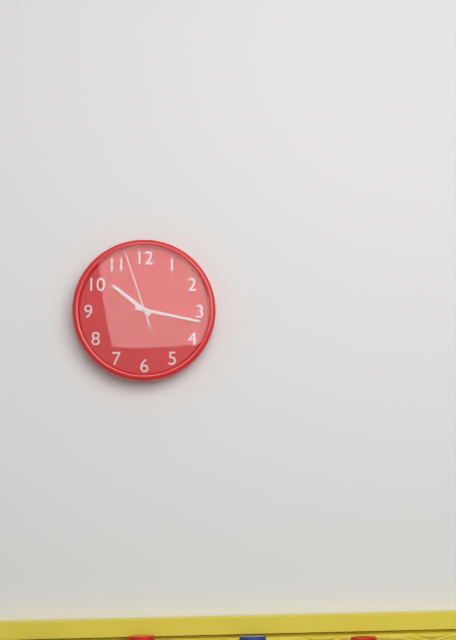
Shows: 10:17:57
